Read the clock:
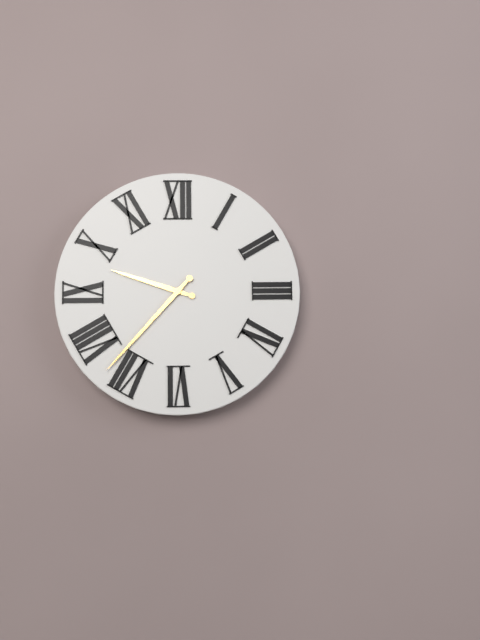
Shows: 9:37
